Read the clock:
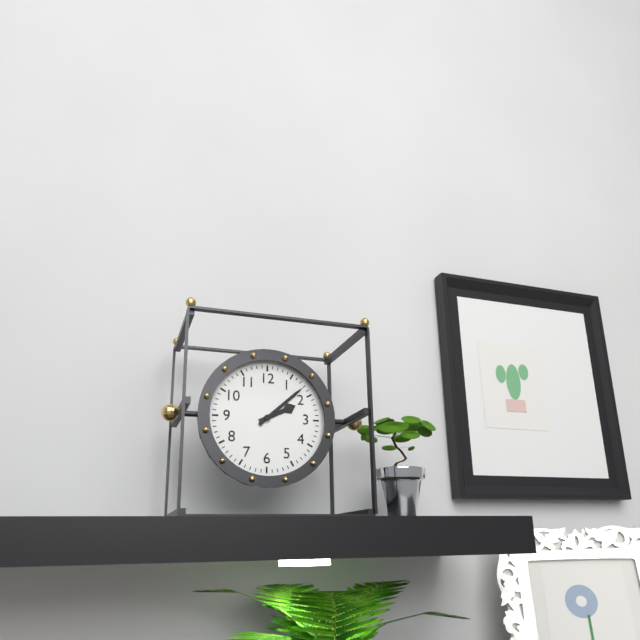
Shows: 2:08
